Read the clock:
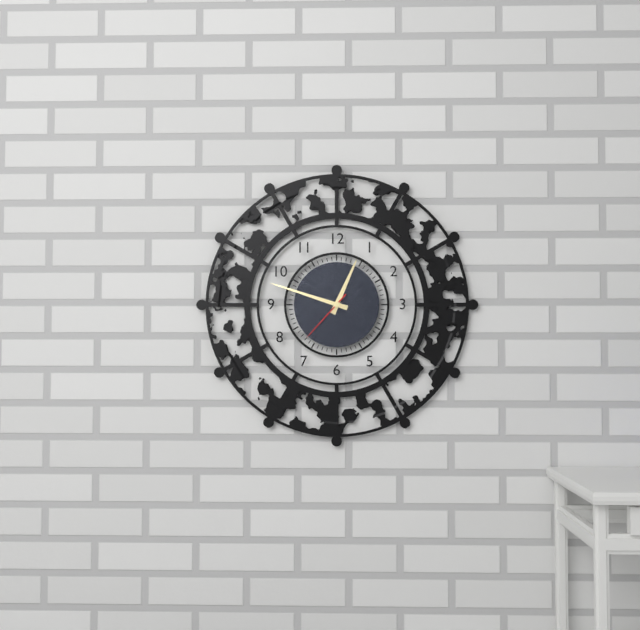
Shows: 12:48:37
